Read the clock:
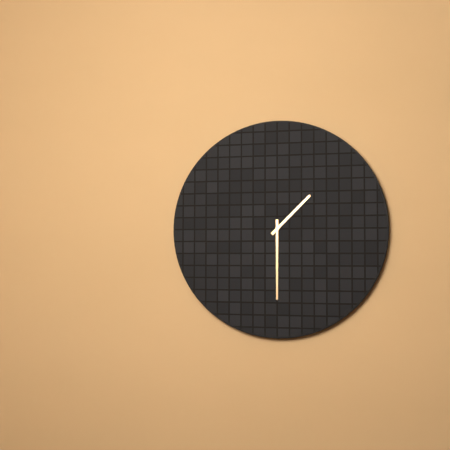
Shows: 1:30
